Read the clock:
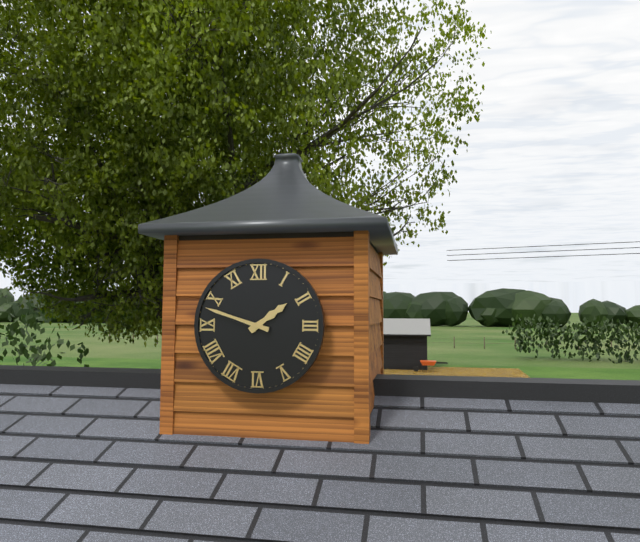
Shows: 1:48
